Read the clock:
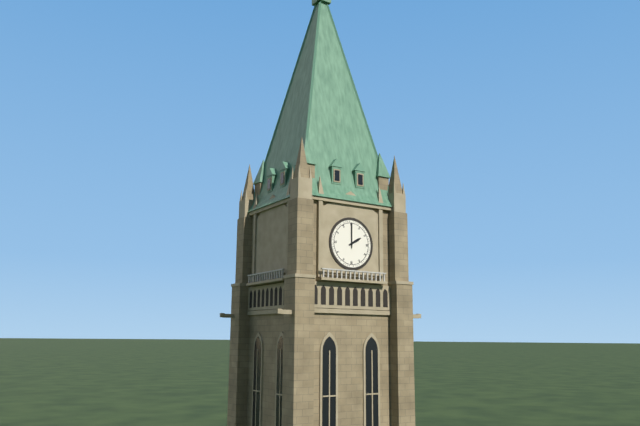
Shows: 2:00
